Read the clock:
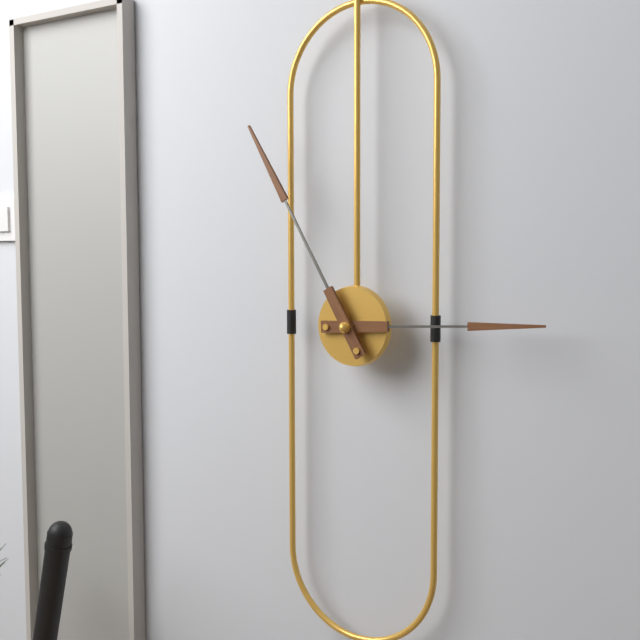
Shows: 2:55
